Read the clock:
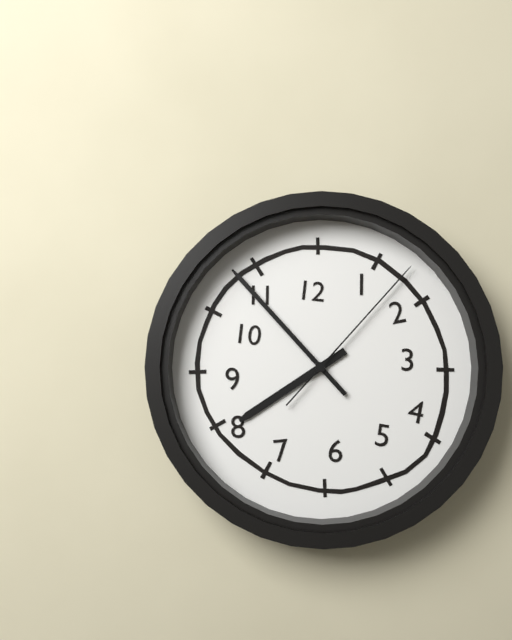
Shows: 7:53:07
